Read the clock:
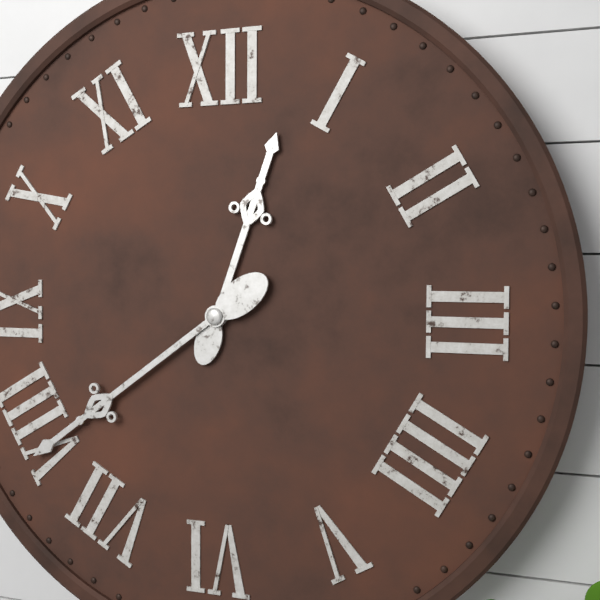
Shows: 12:39
